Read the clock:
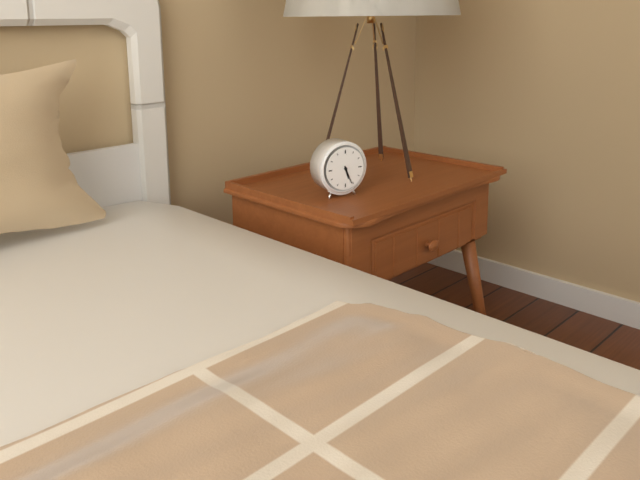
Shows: 5:26
